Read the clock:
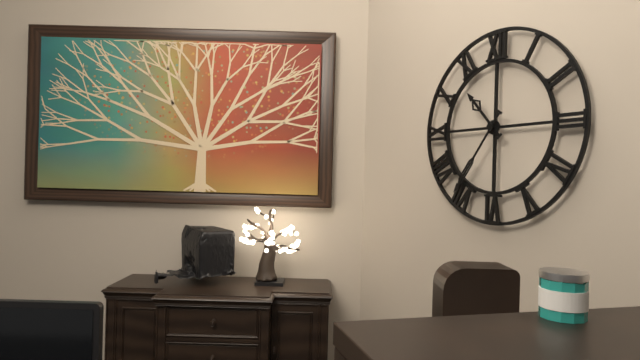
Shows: 10:36
